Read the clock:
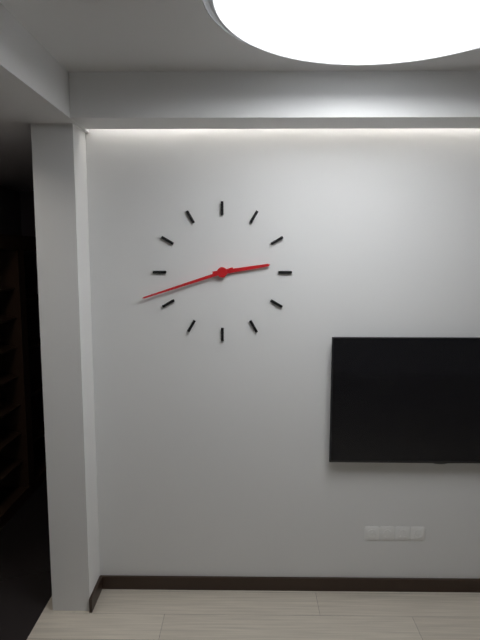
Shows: 2:42
